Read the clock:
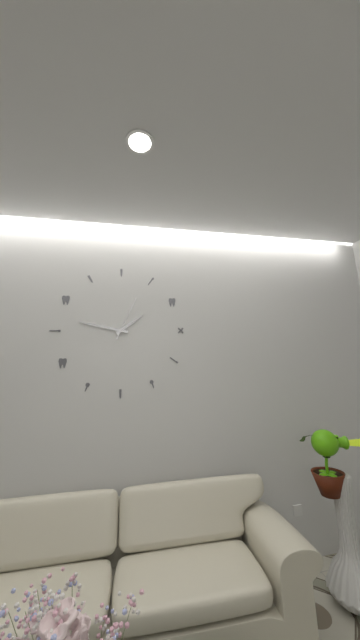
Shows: 1:47
